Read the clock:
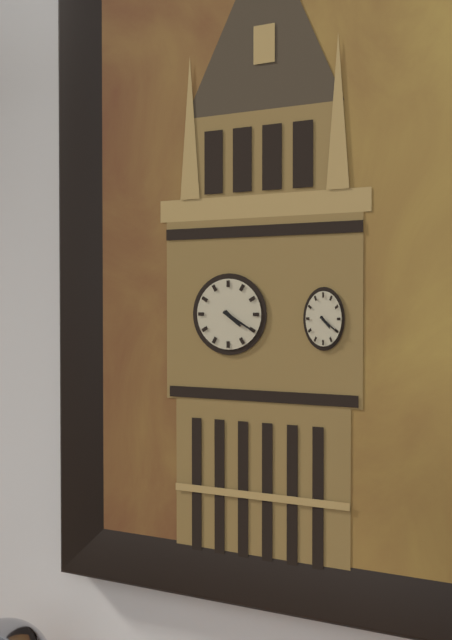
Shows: 4:20
